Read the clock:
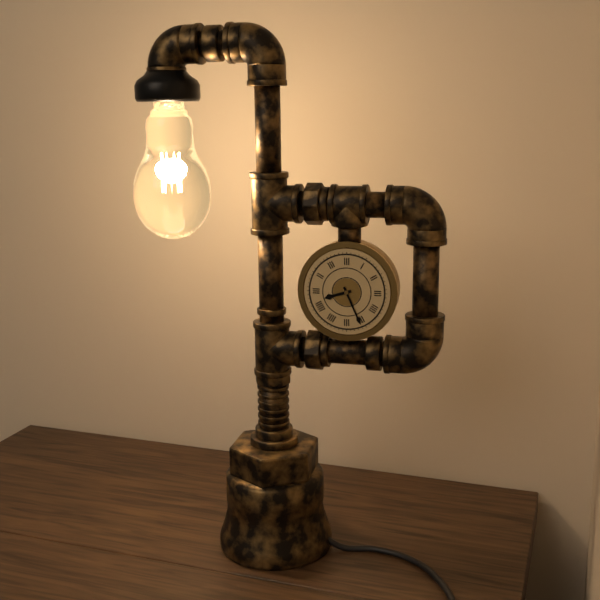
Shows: 8:26
